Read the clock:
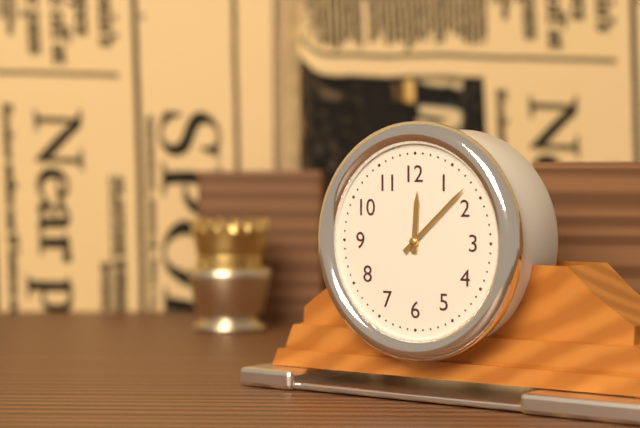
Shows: 12:08
